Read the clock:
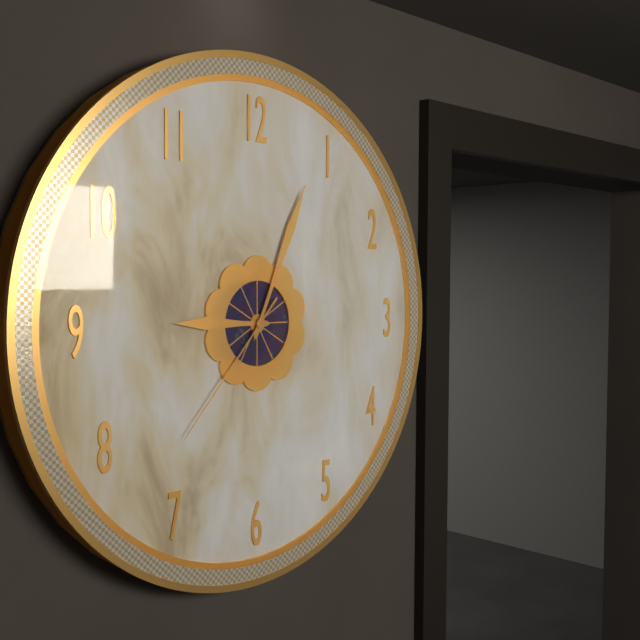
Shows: 9:04:37
